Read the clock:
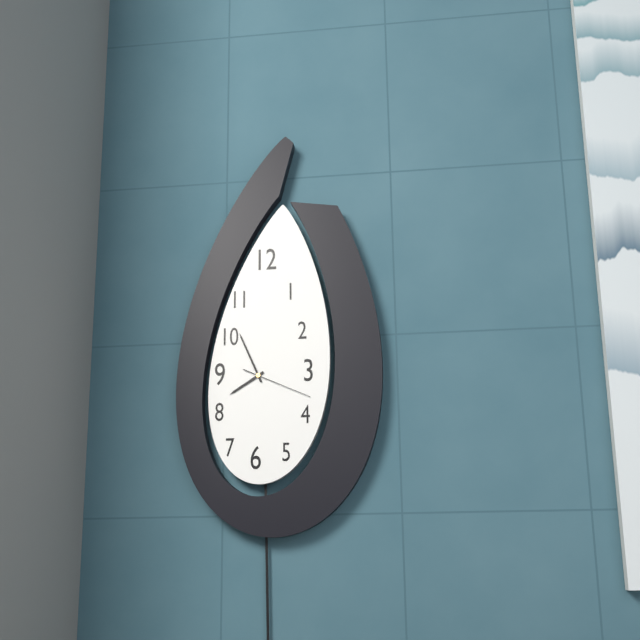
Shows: 7:56:19
